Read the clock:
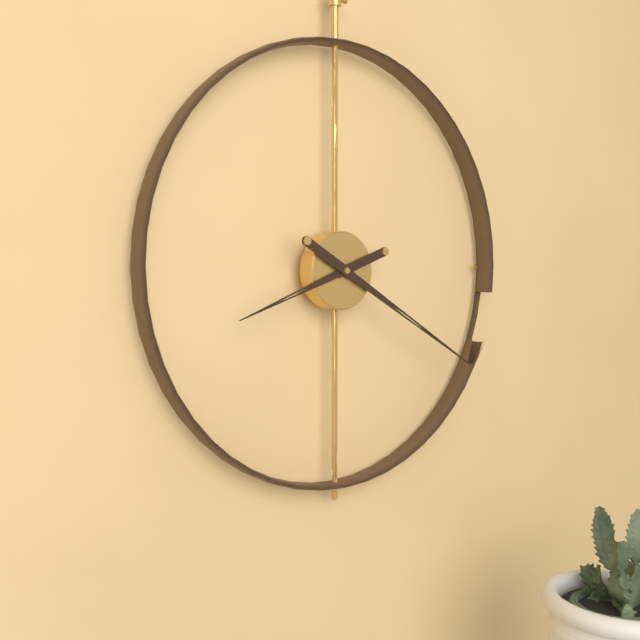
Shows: 8:20
